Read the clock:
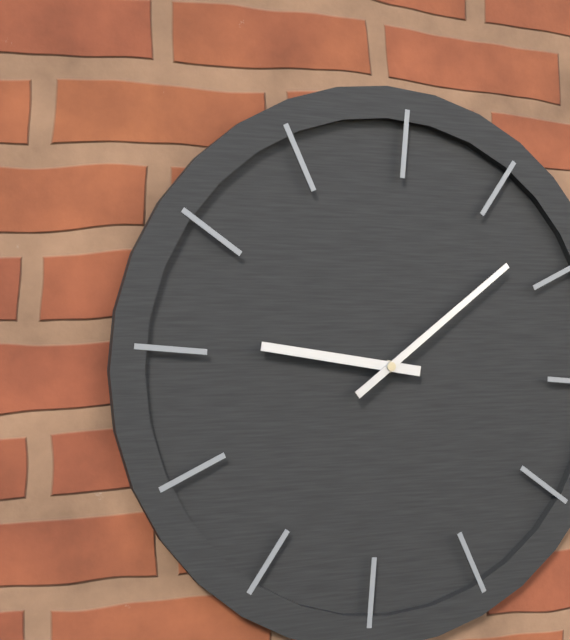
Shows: 9:08
